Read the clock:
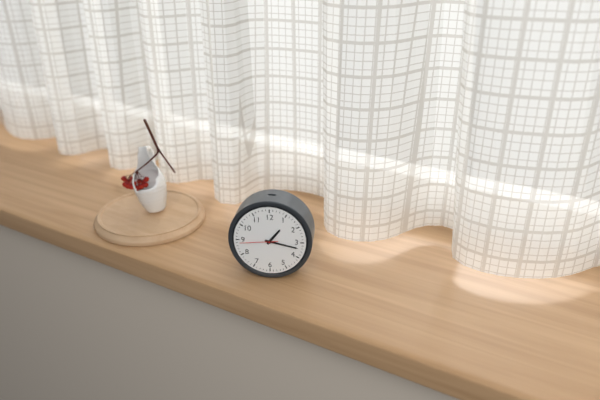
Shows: 1:17
